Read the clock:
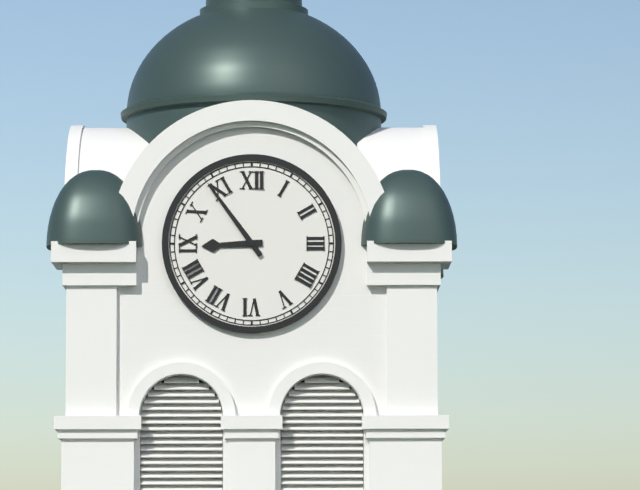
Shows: 8:54
